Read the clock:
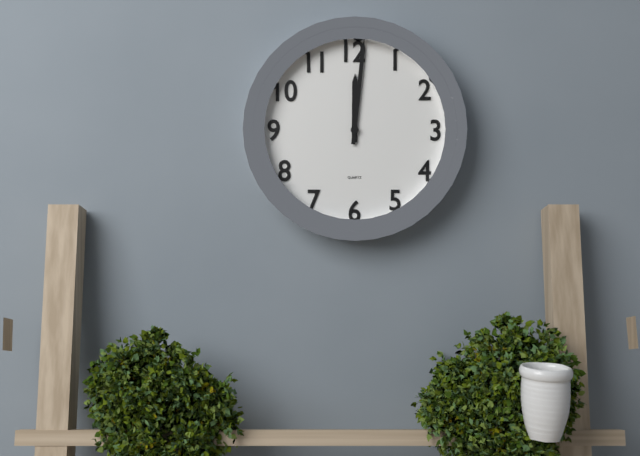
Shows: 12:01
